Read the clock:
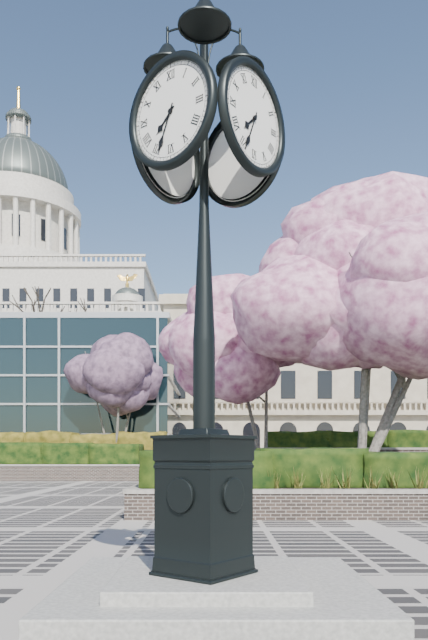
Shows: 7:34
